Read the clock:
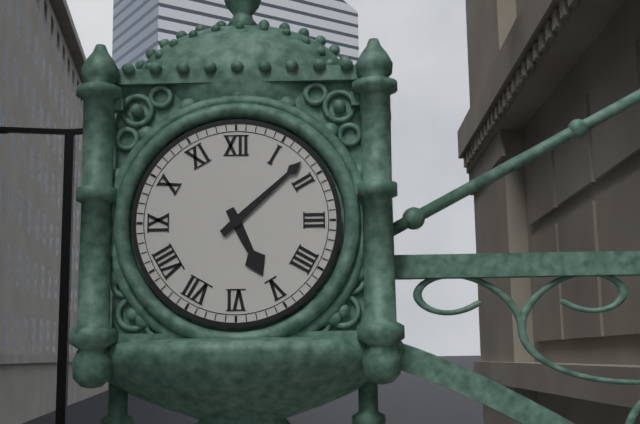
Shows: 5:08
